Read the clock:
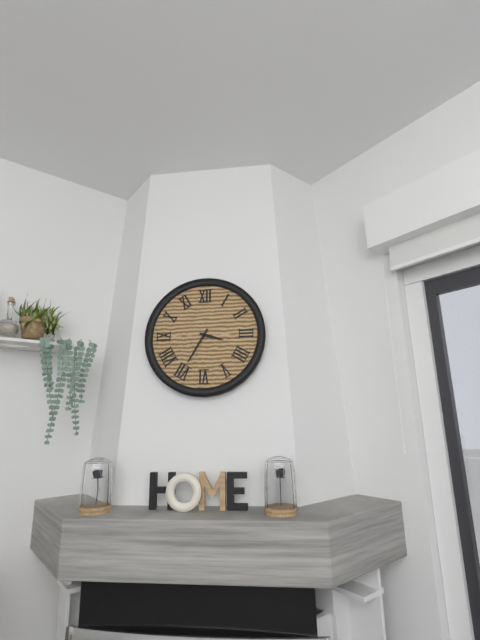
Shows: 3:35
